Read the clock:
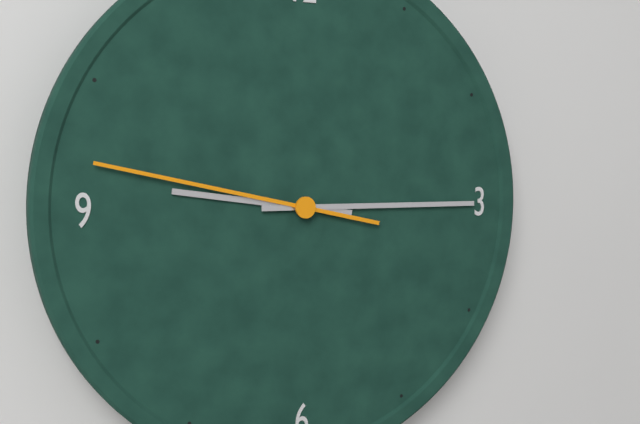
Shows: 9:15:47
